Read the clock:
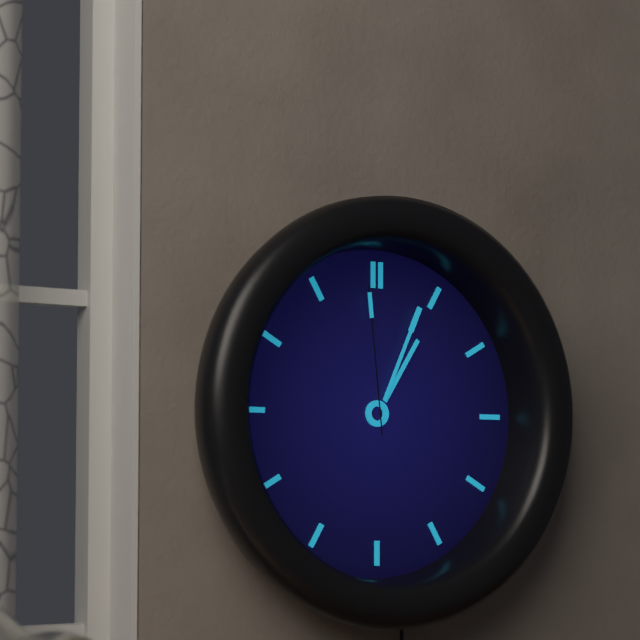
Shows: 1:04:59
